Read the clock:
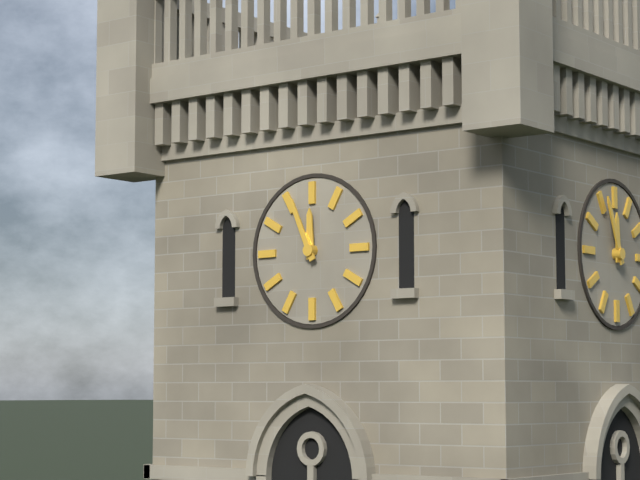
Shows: 11:56
